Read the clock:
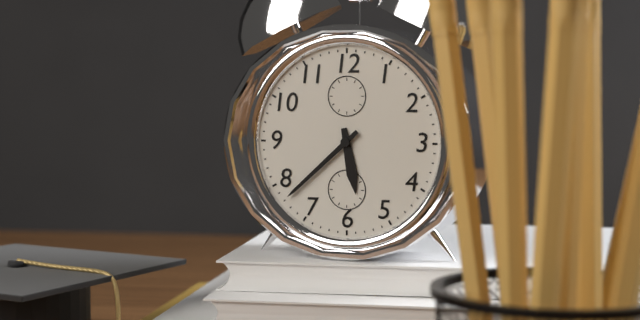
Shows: 5:38
